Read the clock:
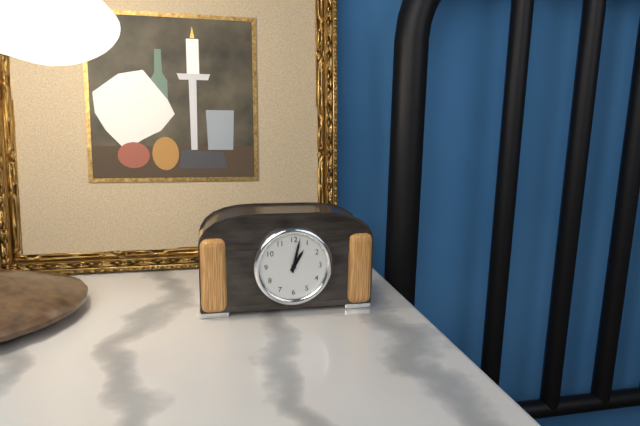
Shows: 1:02
